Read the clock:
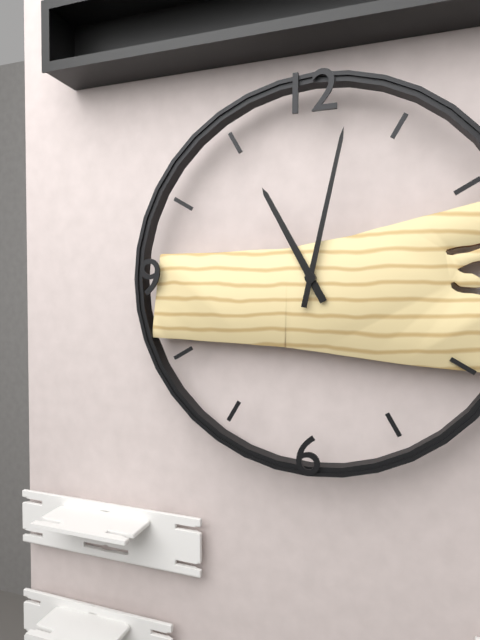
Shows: 11:02
